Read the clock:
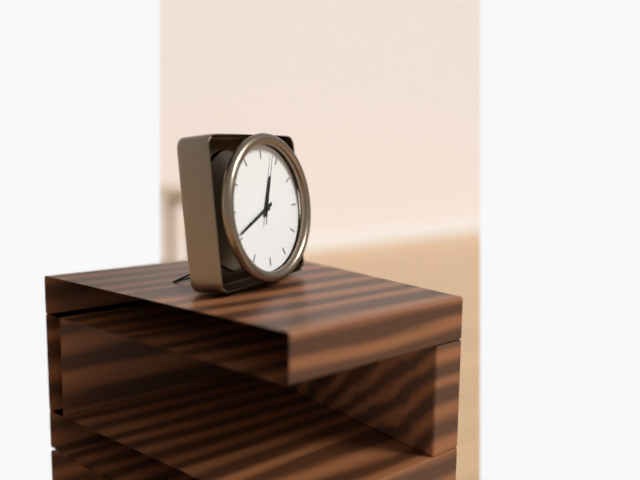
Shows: 12:41:03
